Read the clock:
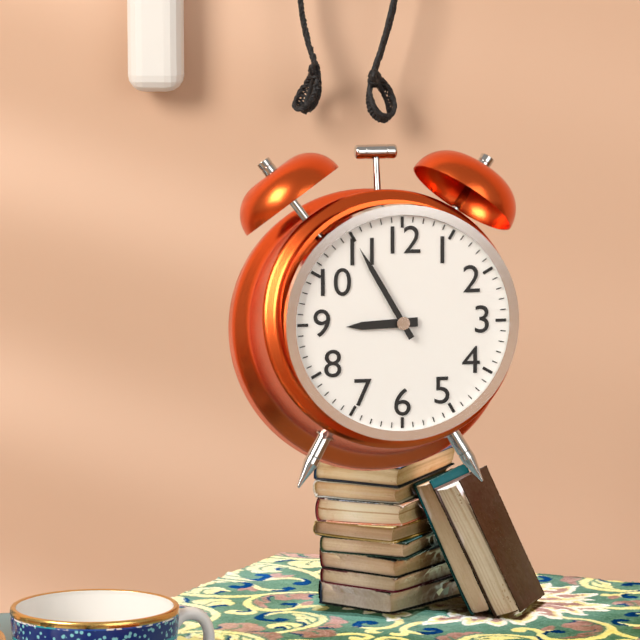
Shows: 8:55
